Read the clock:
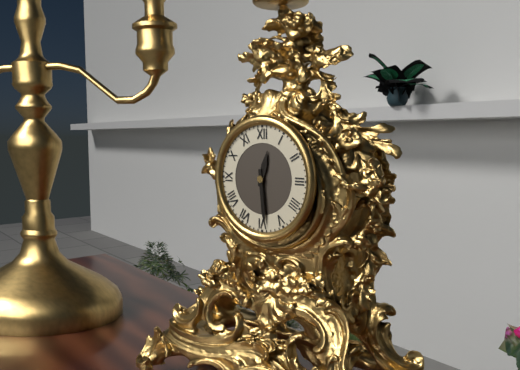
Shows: 12:29
